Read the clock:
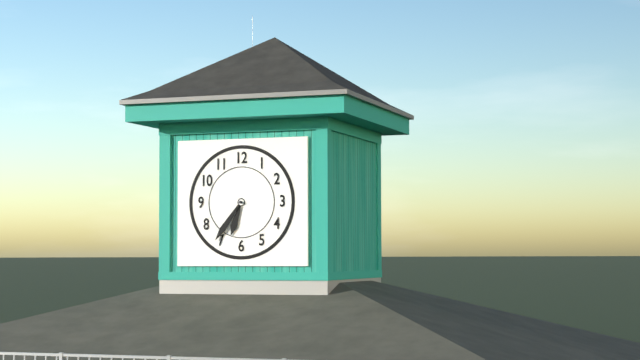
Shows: 6:36
